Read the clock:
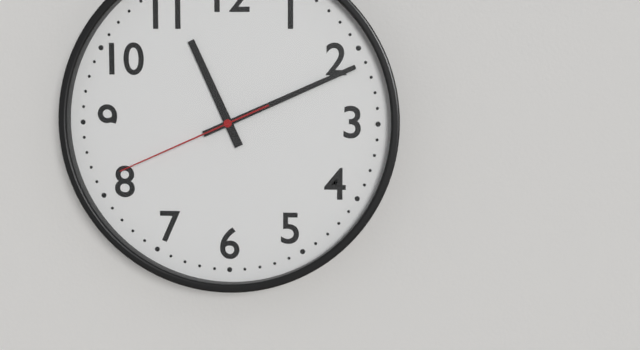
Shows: 11:11:41
